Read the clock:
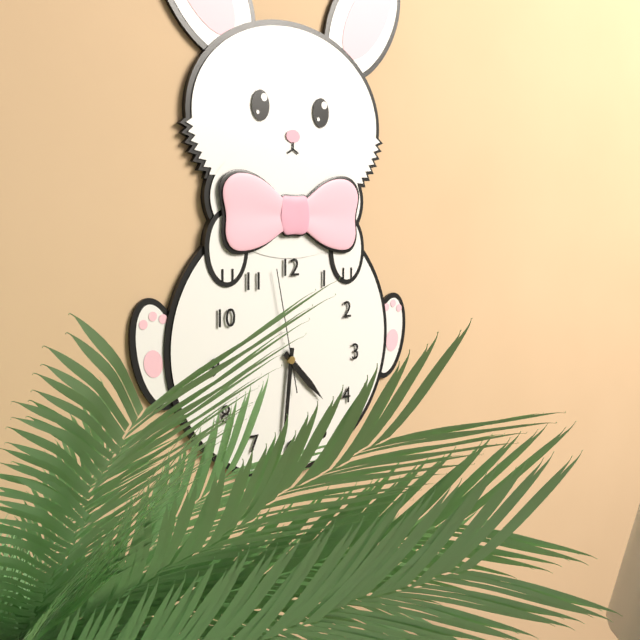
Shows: 4:31:58
